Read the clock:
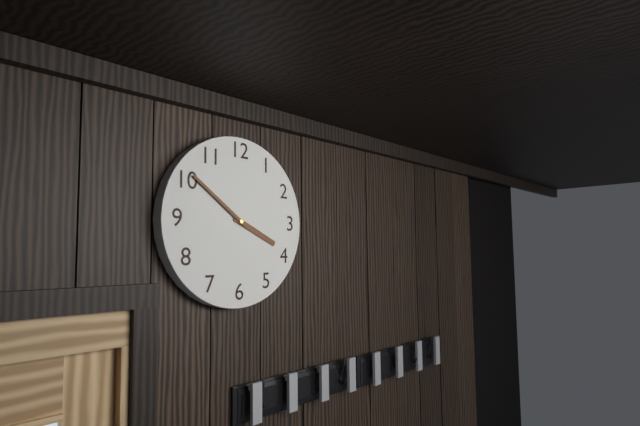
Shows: 3:51
